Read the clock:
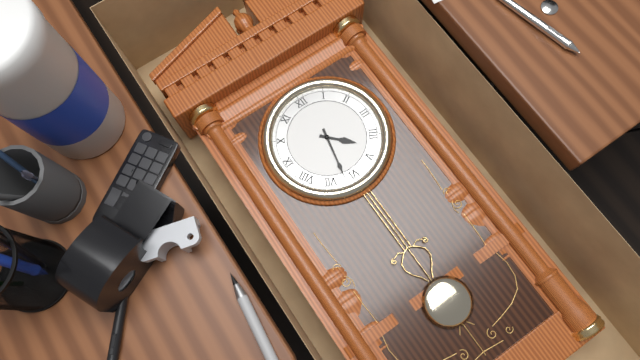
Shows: 4:32
